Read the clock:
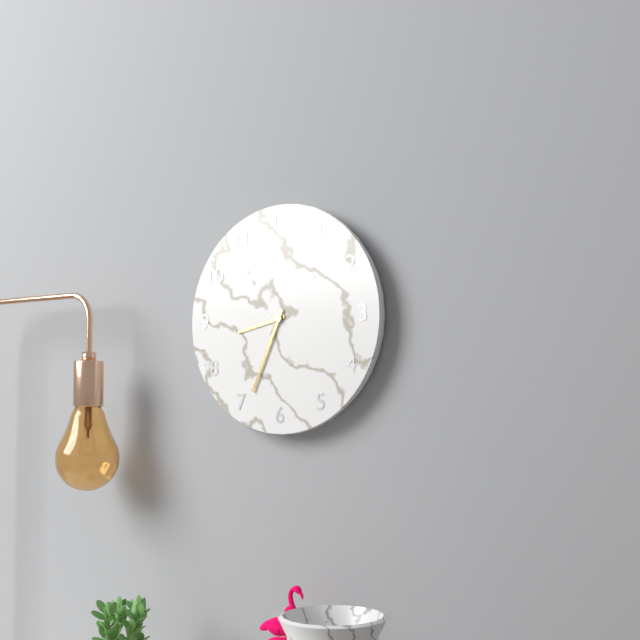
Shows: 8:34
